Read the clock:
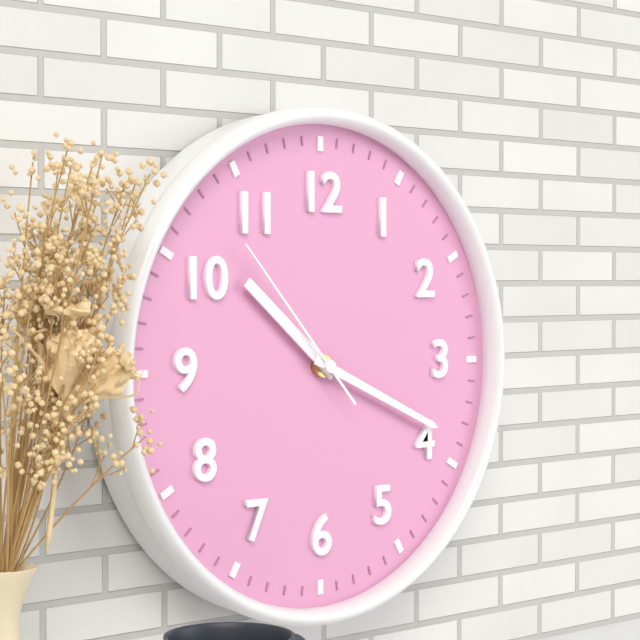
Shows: 10:19:53
